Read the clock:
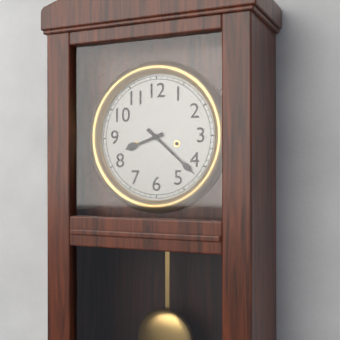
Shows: 8:22
